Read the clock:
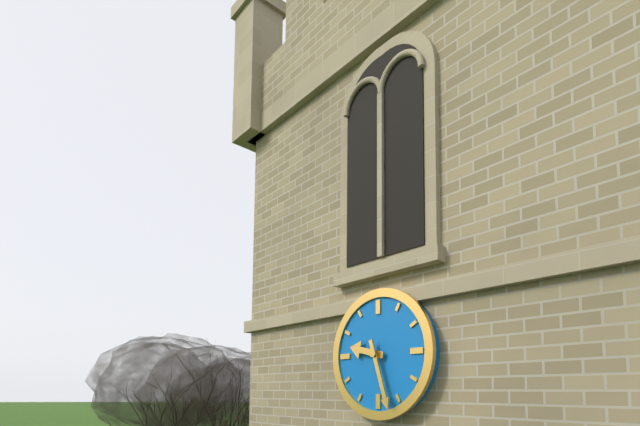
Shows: 9:27
